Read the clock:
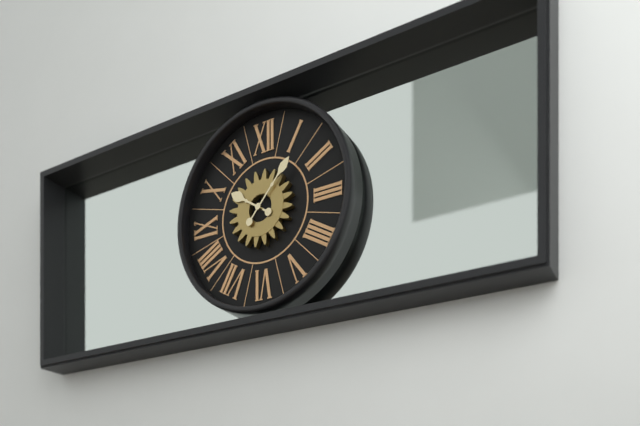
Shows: 10:07
